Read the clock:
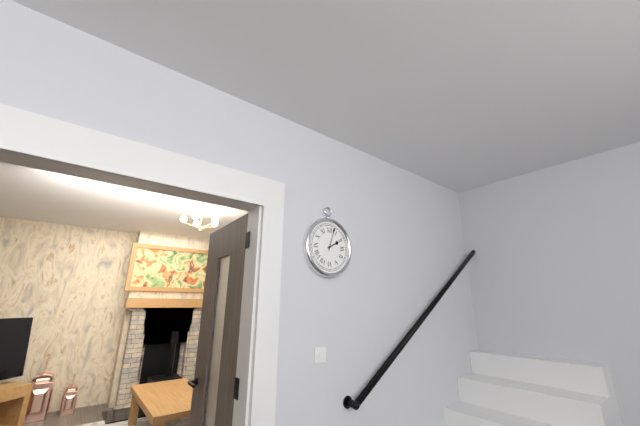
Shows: 2:03
